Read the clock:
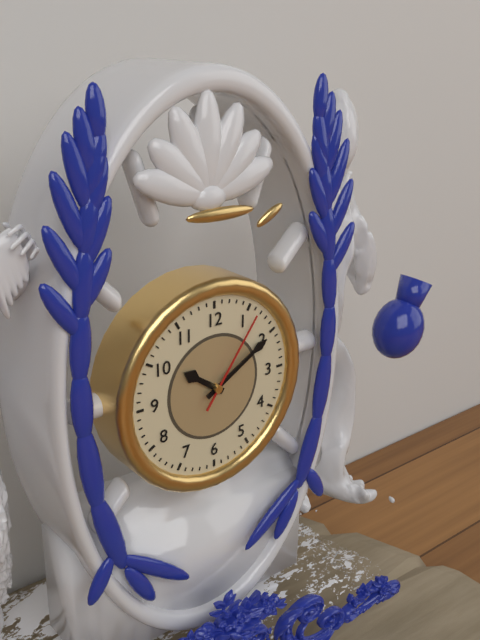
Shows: 10:10:06
